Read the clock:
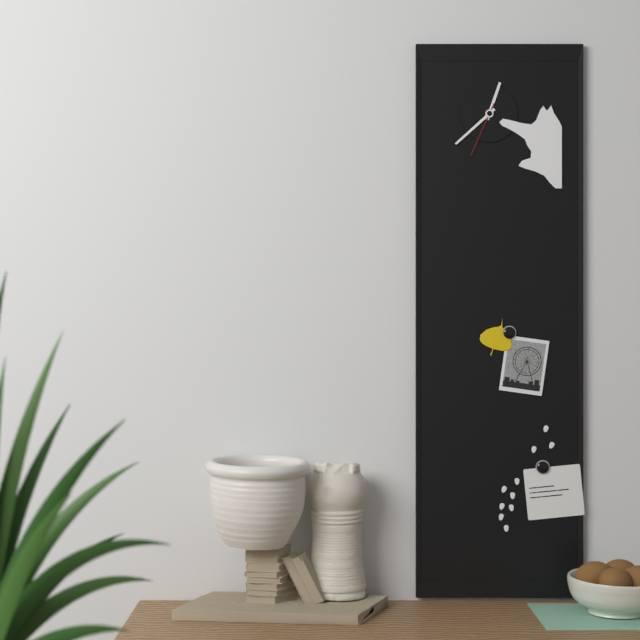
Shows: 12:38:34
